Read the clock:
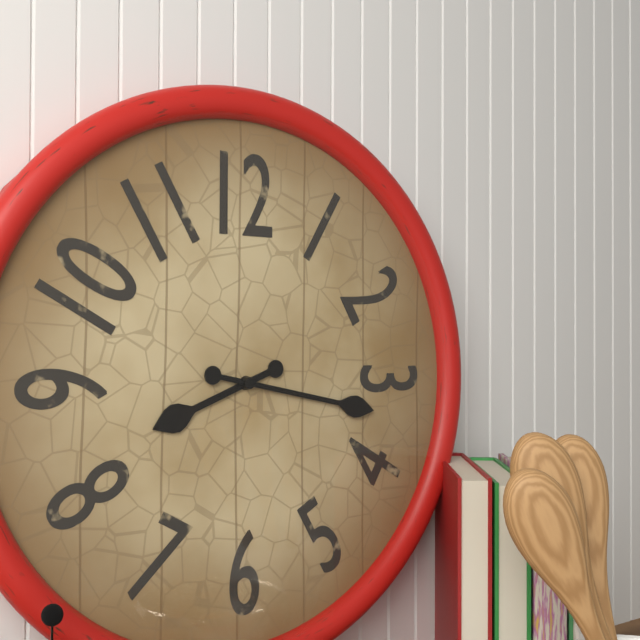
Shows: 8:17
